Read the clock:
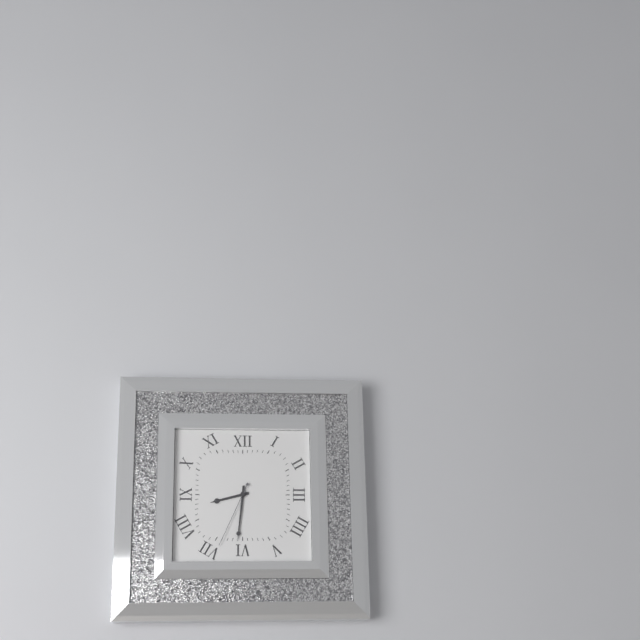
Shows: 8:31:34
